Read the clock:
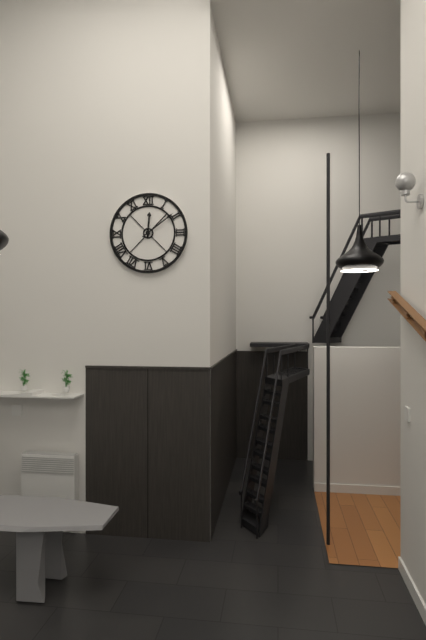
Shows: 12:09
